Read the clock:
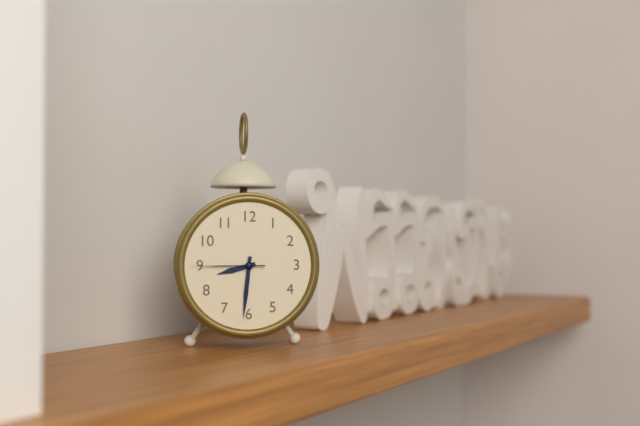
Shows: 8:31:45
